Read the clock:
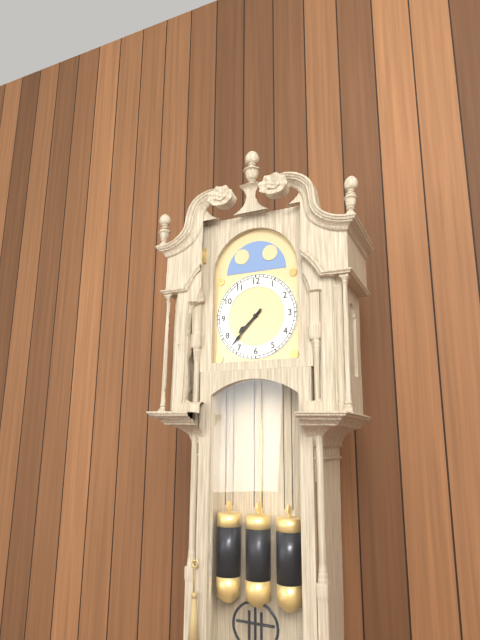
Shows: 7:37
